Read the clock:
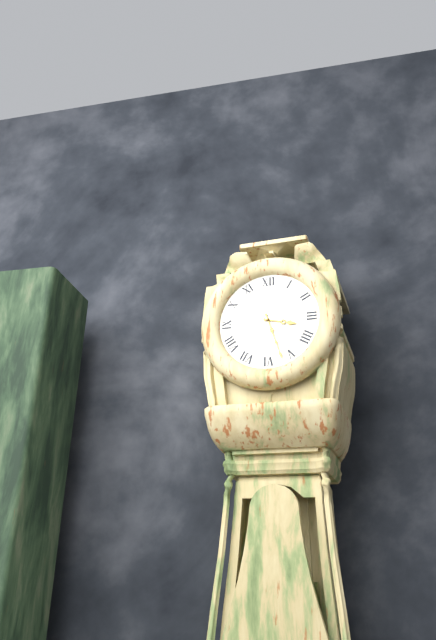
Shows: 3:27
